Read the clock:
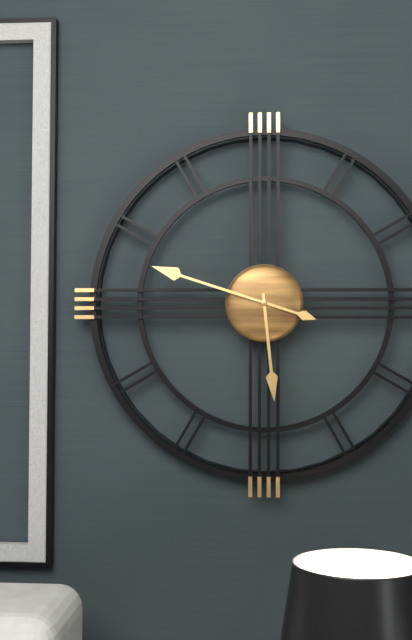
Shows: 5:48
